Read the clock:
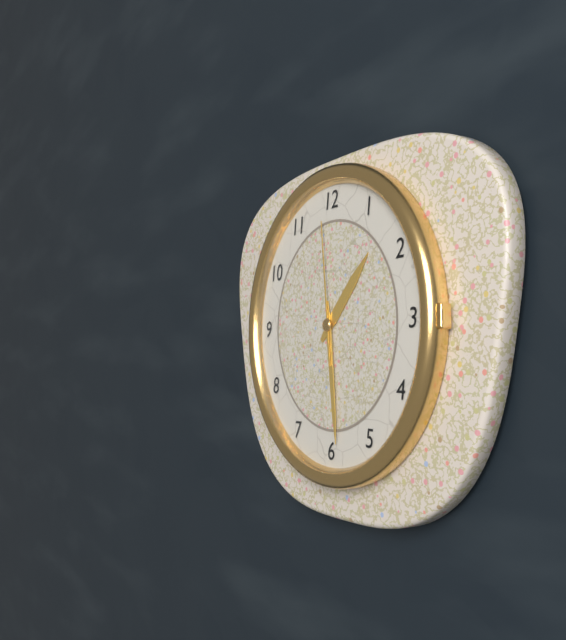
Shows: 1:29:59
